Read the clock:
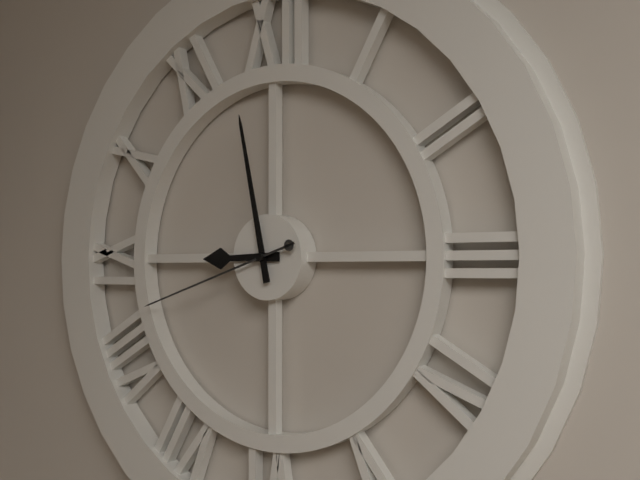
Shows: 8:58:42
